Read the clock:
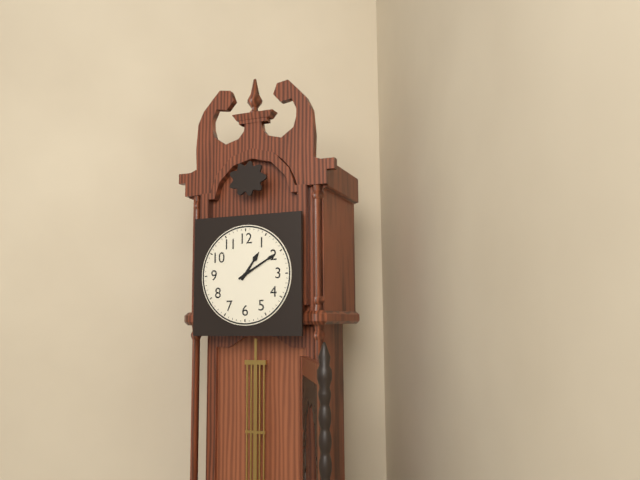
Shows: 1:10
